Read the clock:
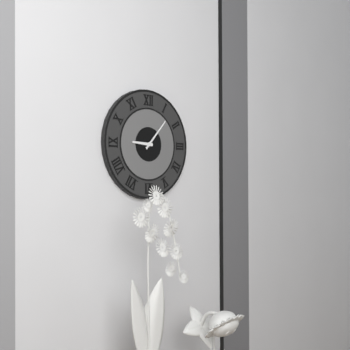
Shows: 9:07
